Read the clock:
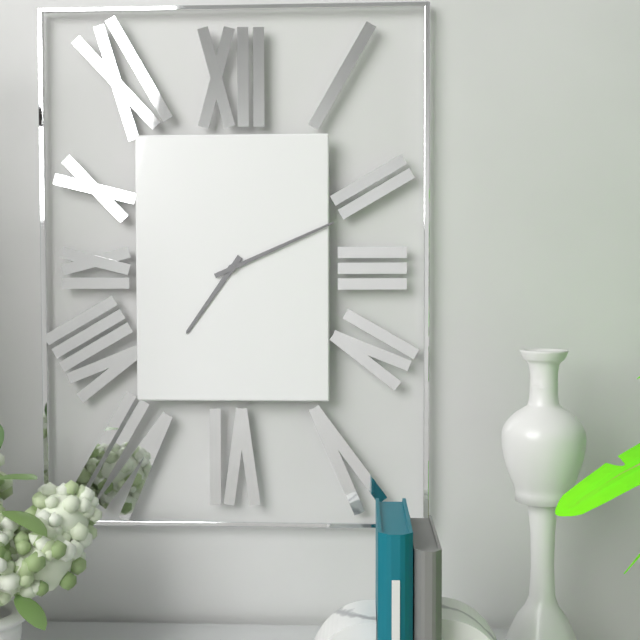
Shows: 7:11
